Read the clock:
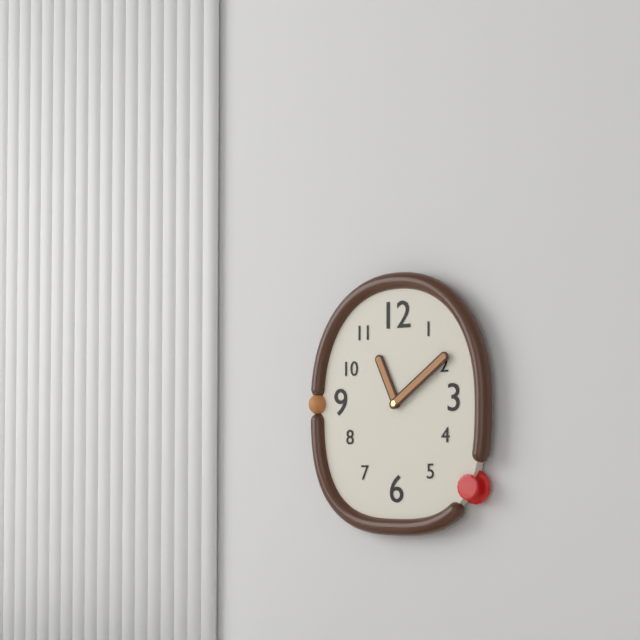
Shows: 11:09
